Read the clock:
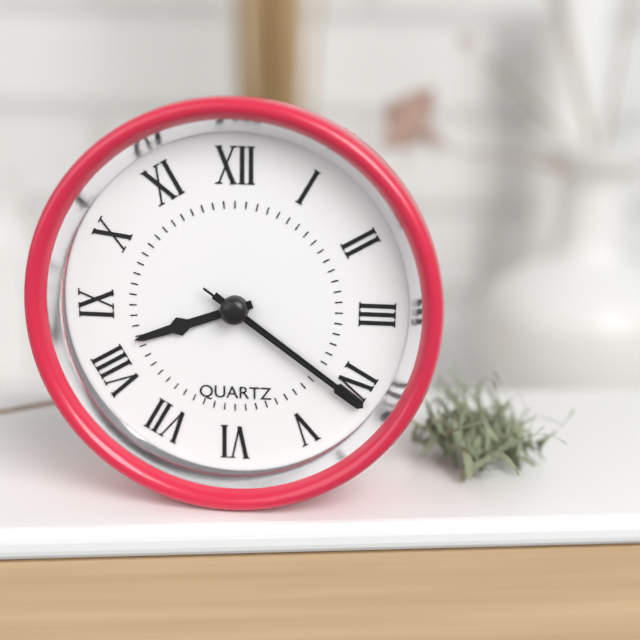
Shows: 8:21:21
